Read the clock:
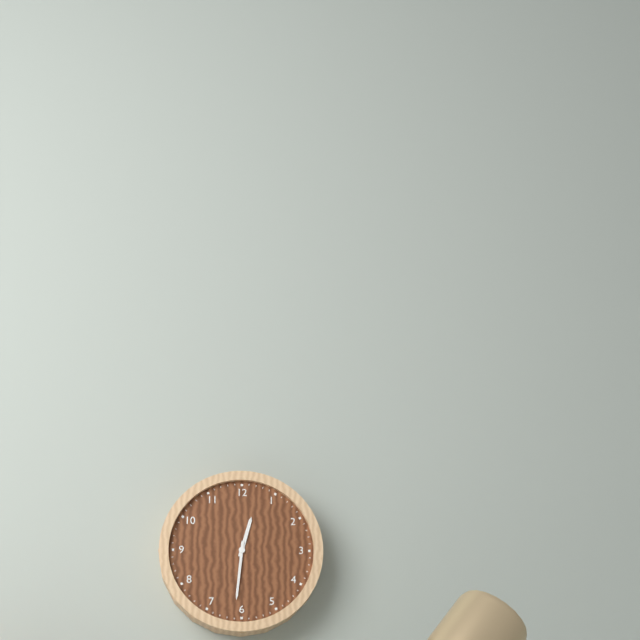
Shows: 12:31
